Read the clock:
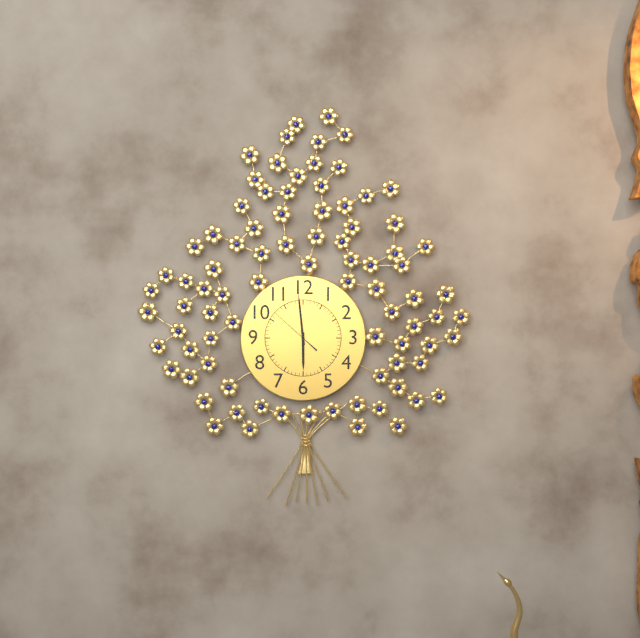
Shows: 5:59
